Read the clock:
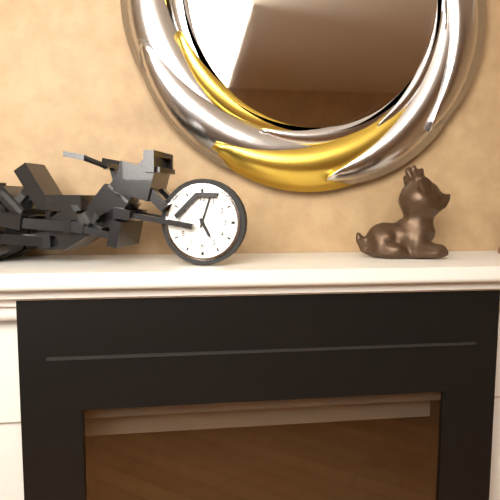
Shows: 5:03
